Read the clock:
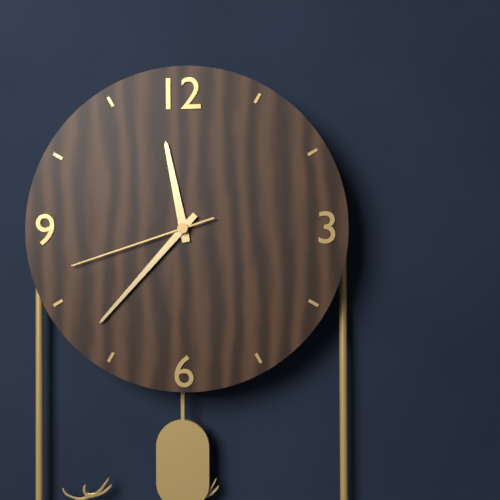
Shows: 11:37:42
